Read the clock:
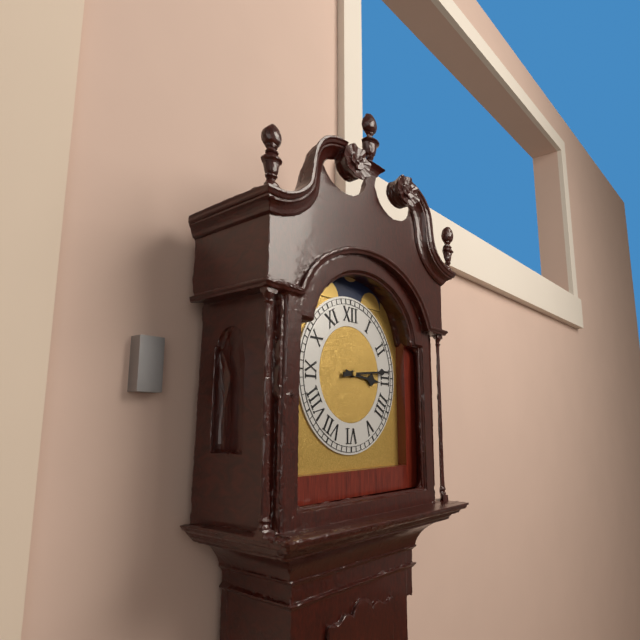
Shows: 3:14
